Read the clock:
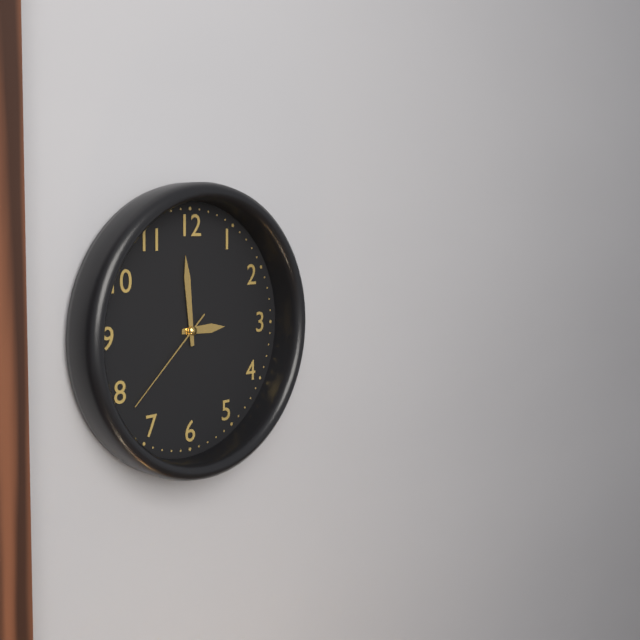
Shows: 2:59:38
